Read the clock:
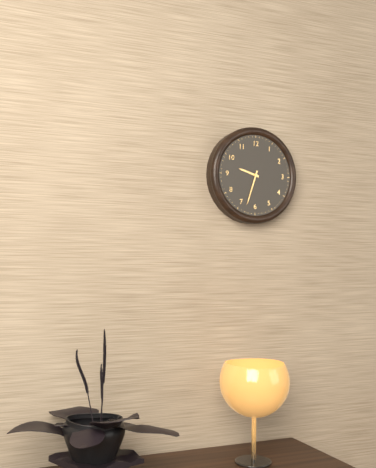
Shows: 9:33
